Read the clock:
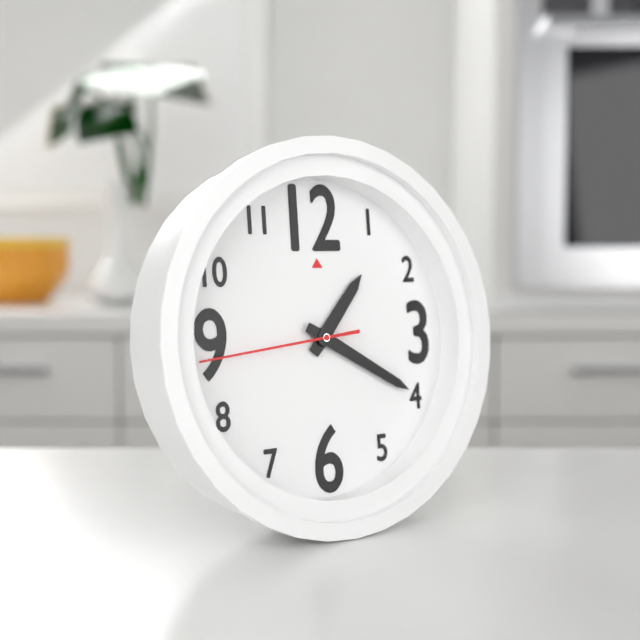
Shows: 1:20:44
